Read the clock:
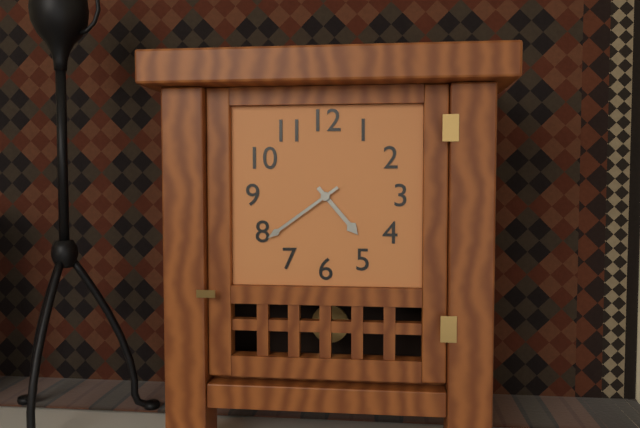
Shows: 4:39
